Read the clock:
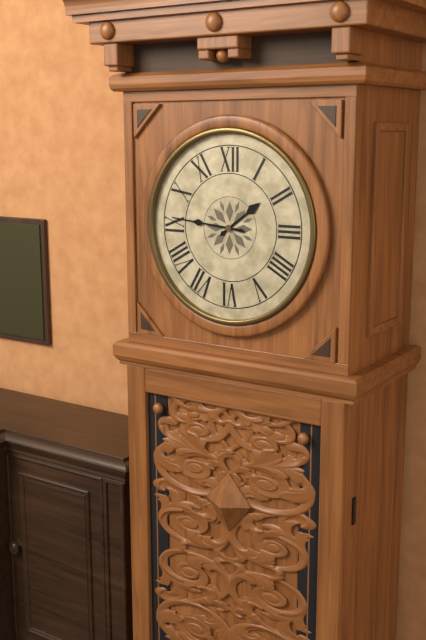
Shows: 1:46
